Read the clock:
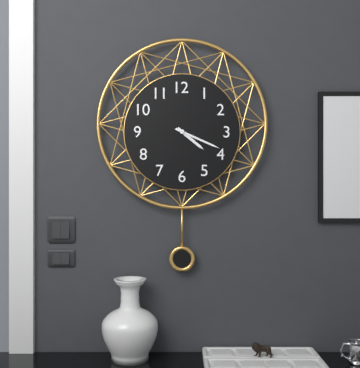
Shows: 4:19
